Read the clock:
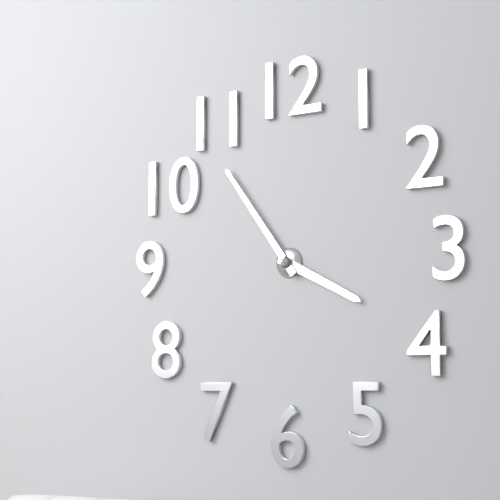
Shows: 3:54
